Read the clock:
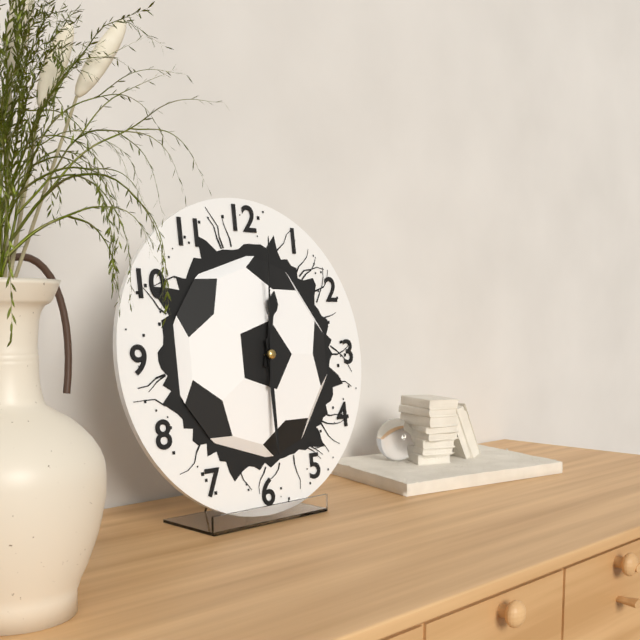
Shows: 12:30:01
